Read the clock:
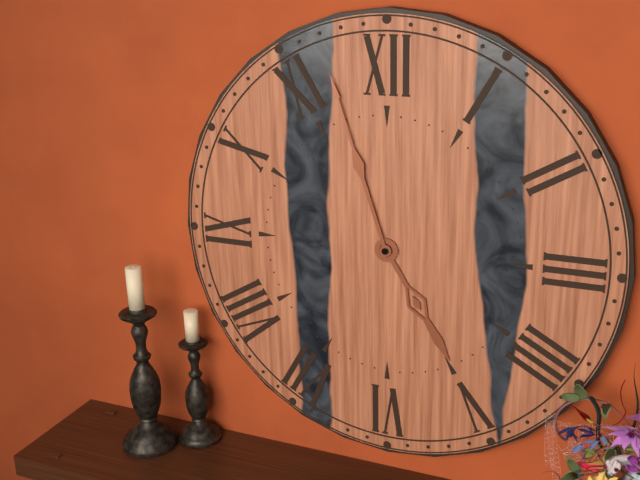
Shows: 4:57
